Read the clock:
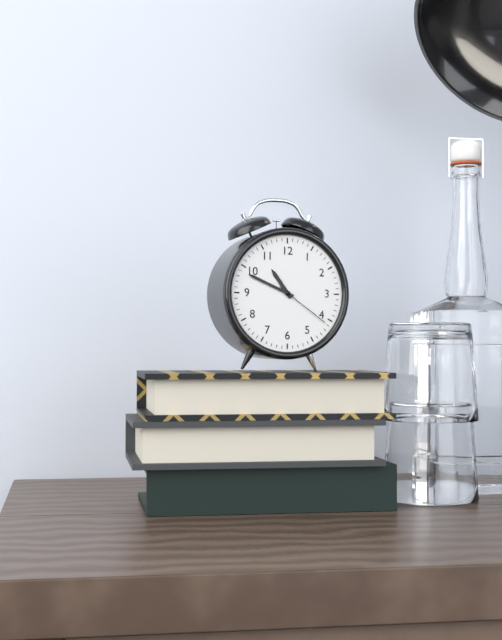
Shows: 10:49:21
